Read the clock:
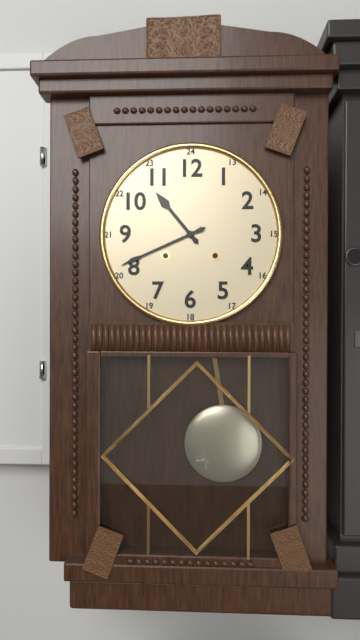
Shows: 10:41
